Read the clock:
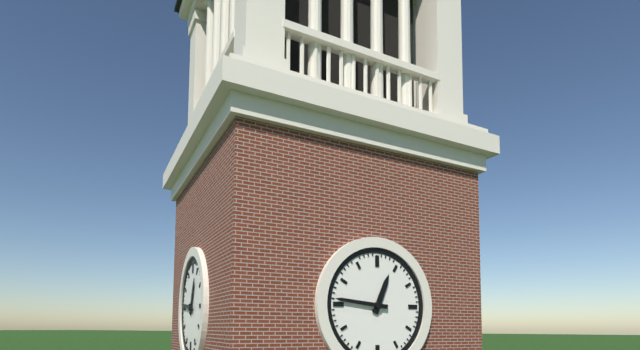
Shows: 12:46
